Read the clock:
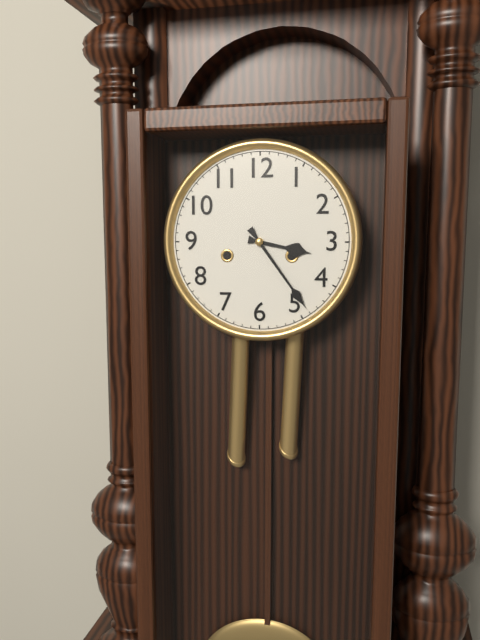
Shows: 3:24
